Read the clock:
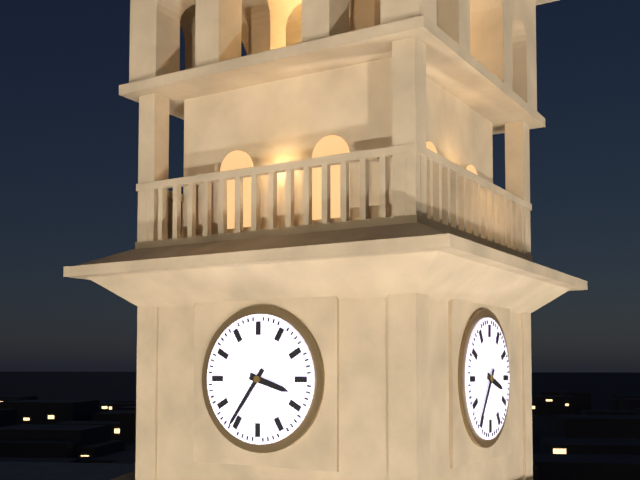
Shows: 3:36
